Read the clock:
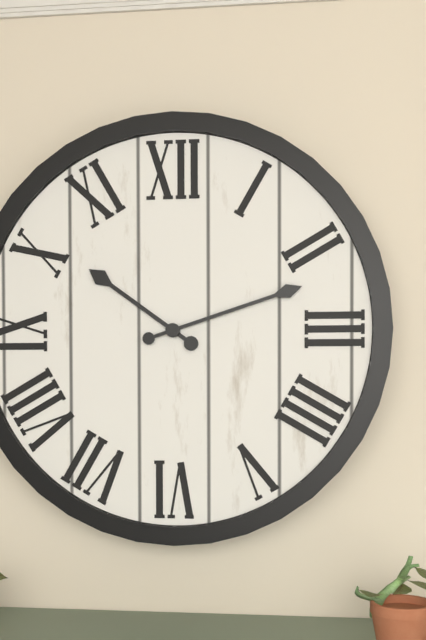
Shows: 10:12
